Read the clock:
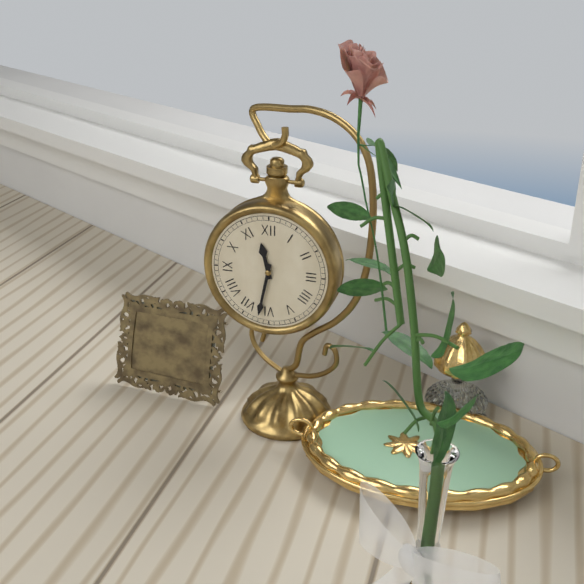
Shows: 11:32
